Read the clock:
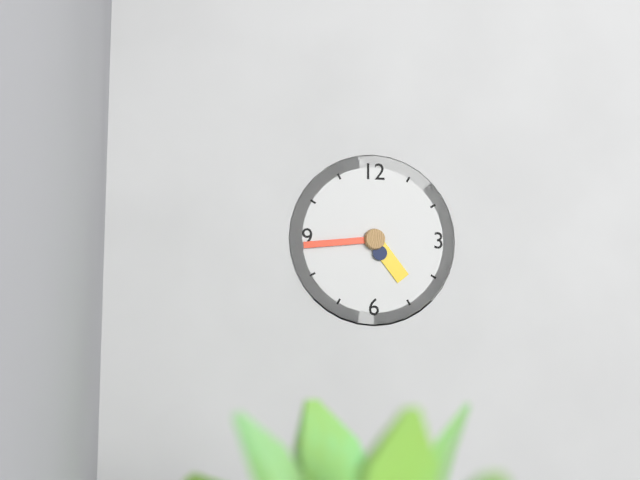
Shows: 4:44
